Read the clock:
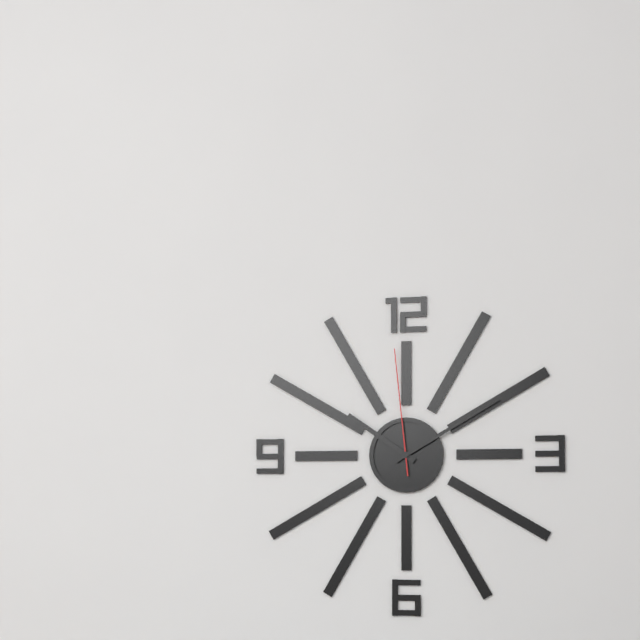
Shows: 10:10:59
